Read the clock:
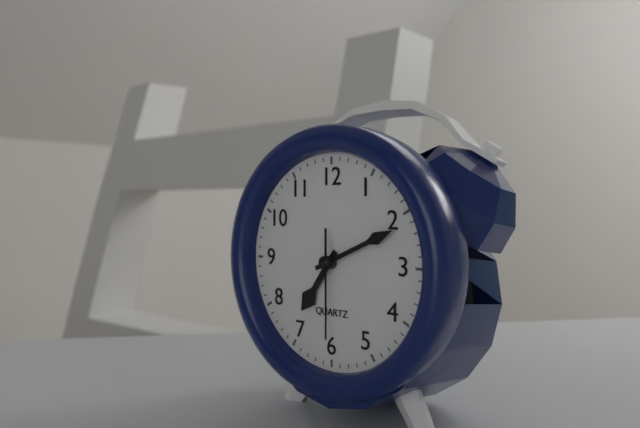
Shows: 7:11:30
